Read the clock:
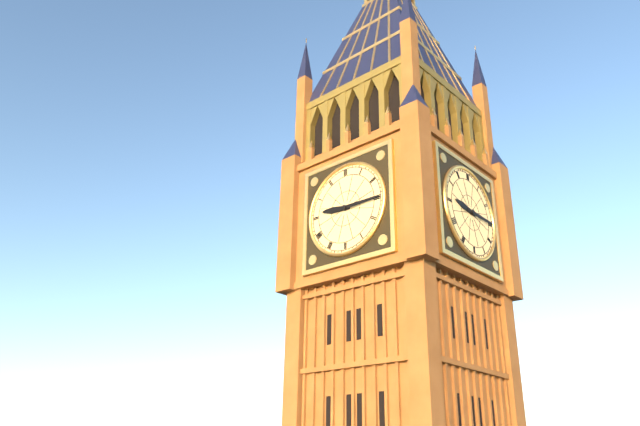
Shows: 9:15
